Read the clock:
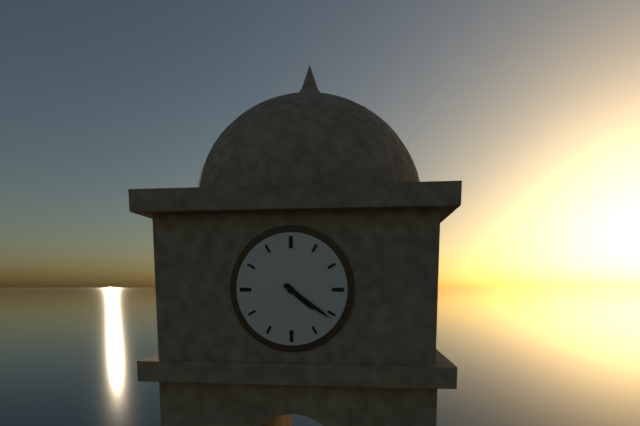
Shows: 4:21
